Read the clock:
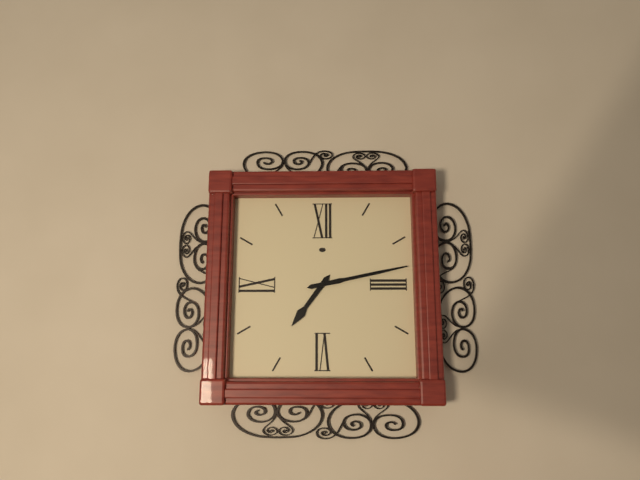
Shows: 7:13
